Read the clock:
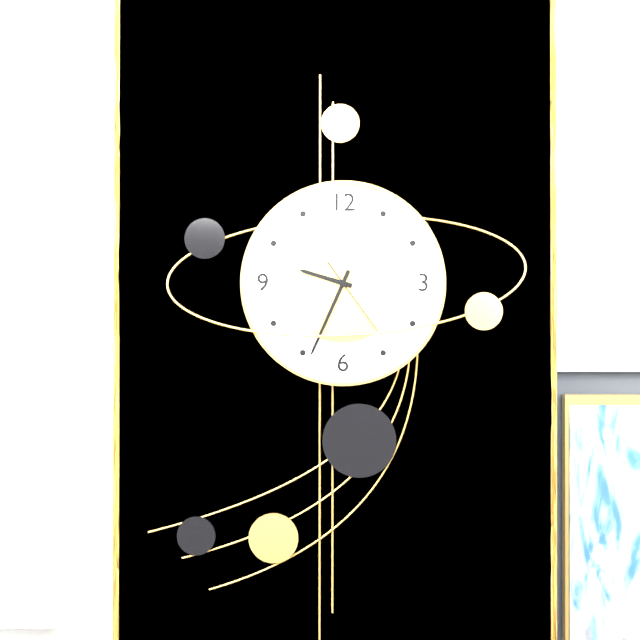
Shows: 9:34:24
